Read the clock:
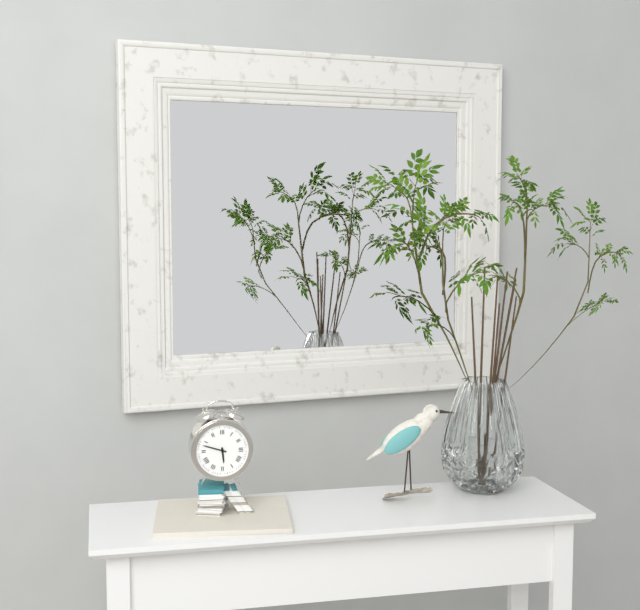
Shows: 5:48
